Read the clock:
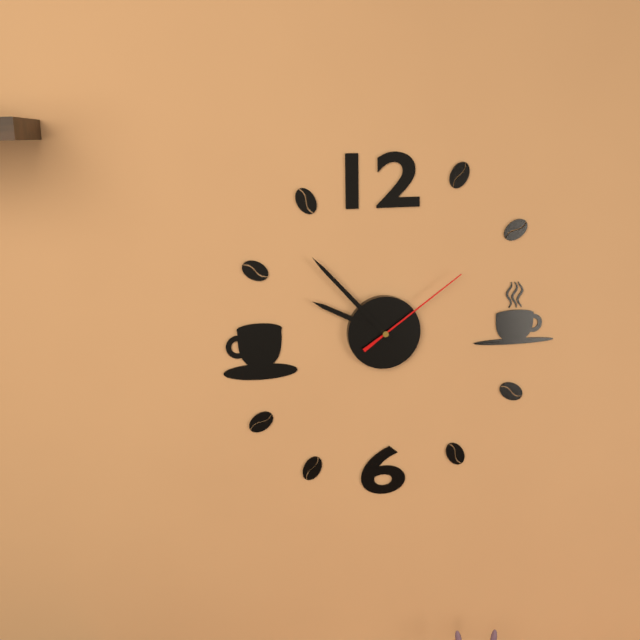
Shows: 9:53:09
